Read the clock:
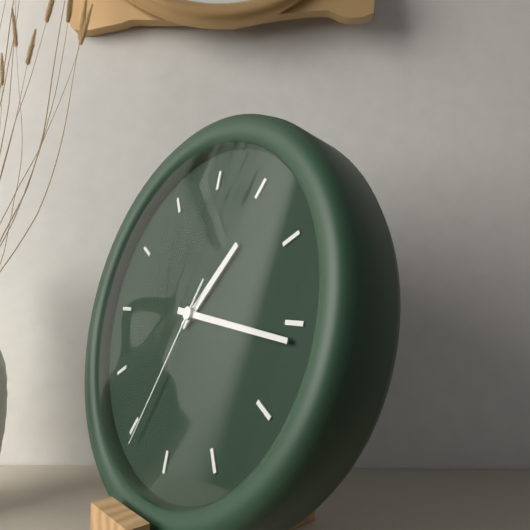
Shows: 1:16:34
